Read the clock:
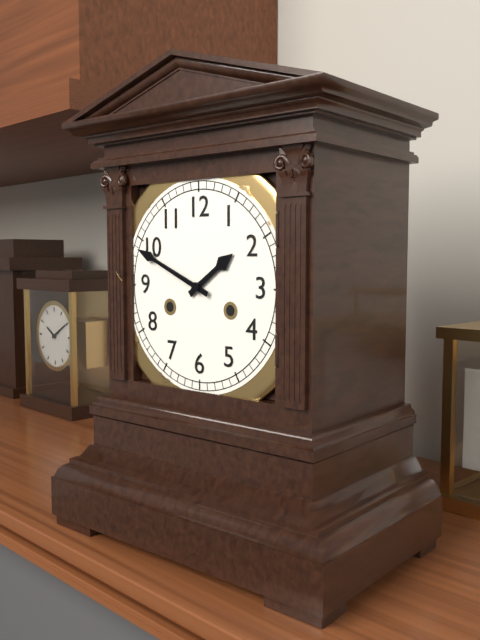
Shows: 1:49
